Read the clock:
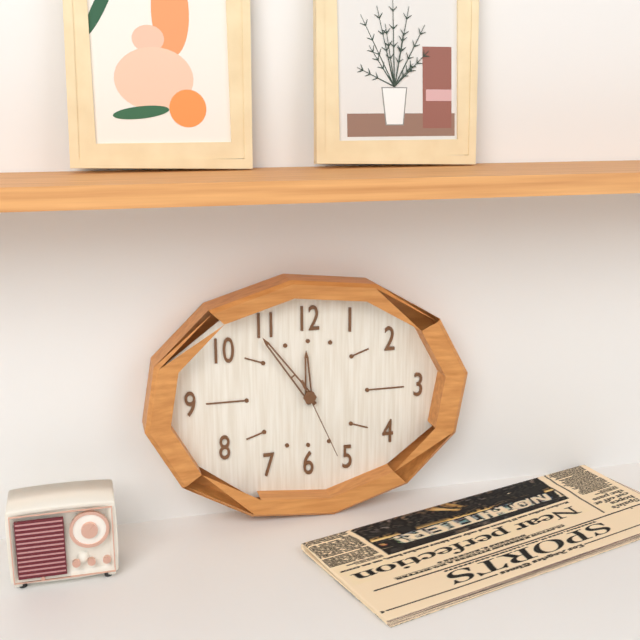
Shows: 11:54:26
